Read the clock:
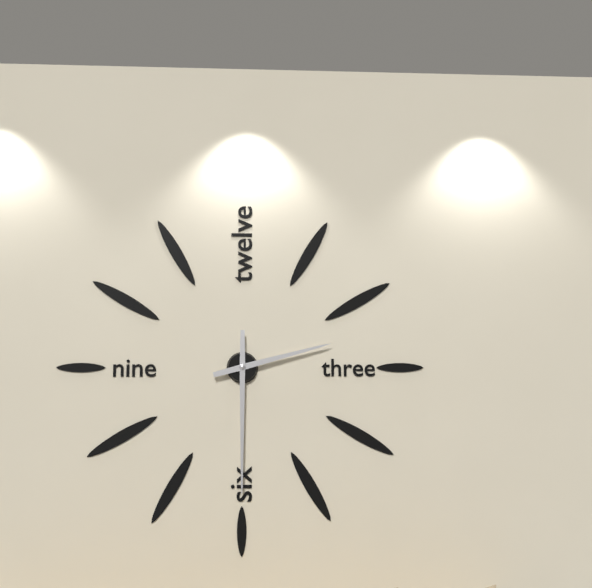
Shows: 2:30
